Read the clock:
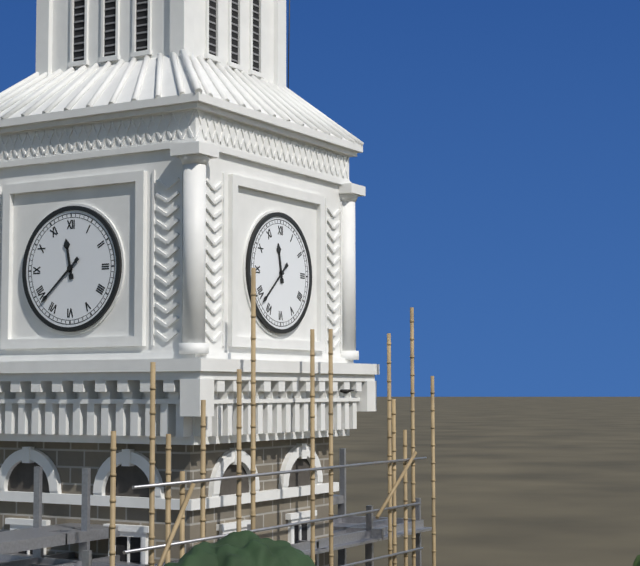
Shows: 11:38
